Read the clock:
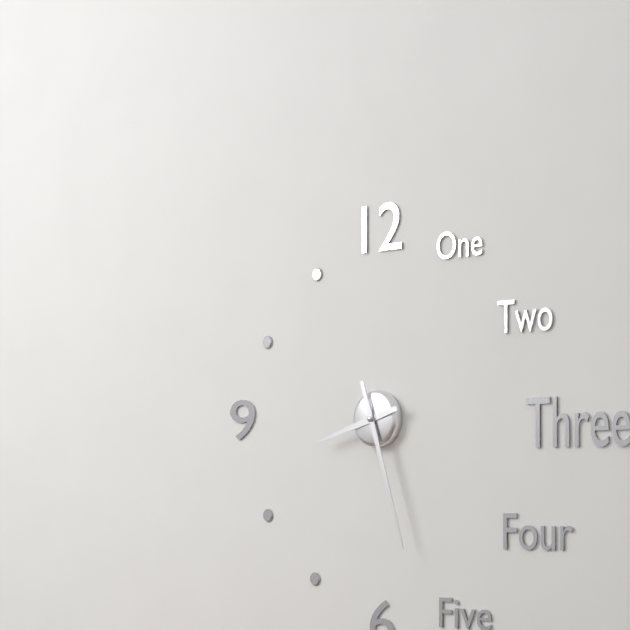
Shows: 8:27
